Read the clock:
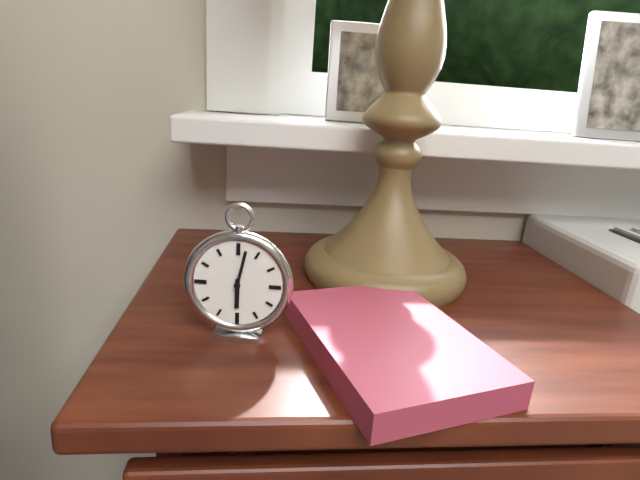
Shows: 6:02
